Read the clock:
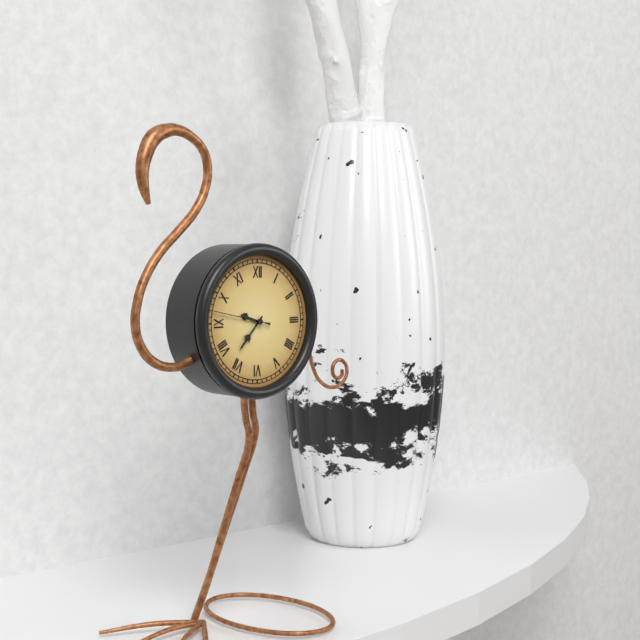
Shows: 9:37
